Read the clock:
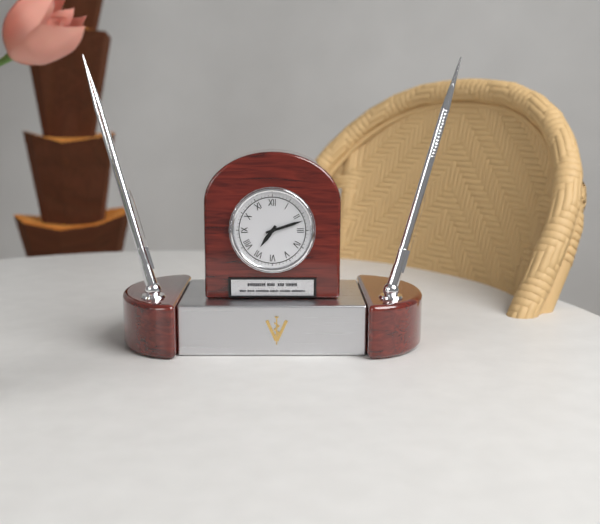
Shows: 7:12
